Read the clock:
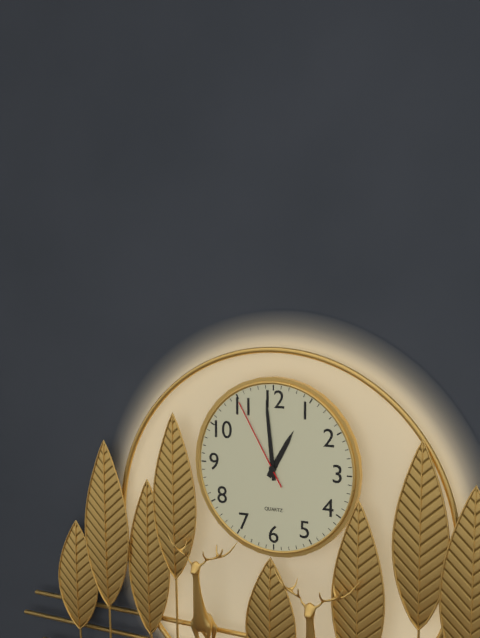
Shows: 12:59:55
